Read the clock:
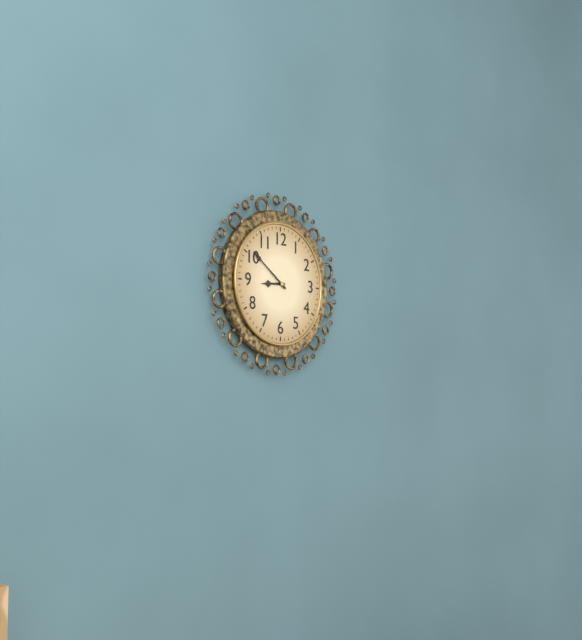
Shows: 8:51
